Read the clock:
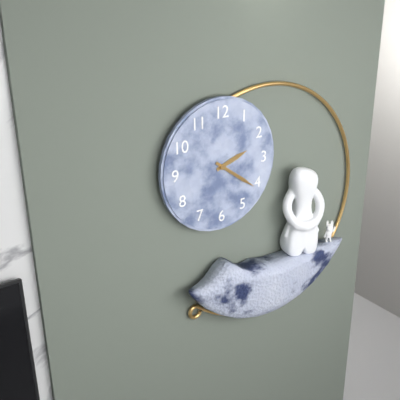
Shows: 2:21
